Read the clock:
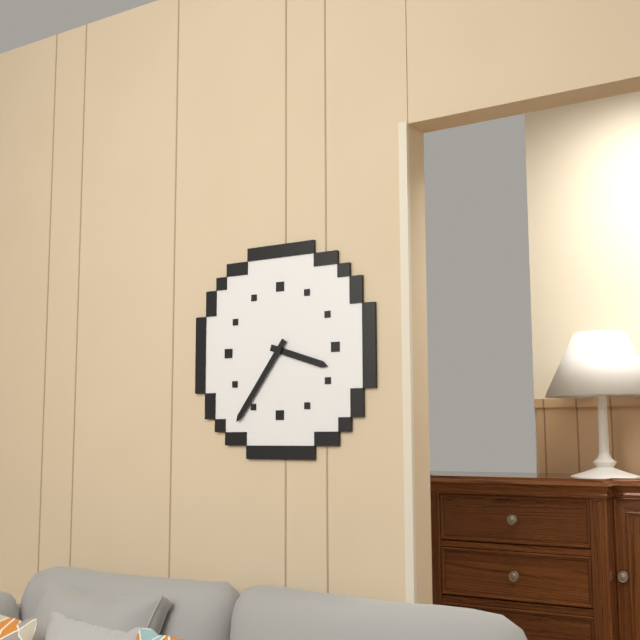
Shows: 3:36
